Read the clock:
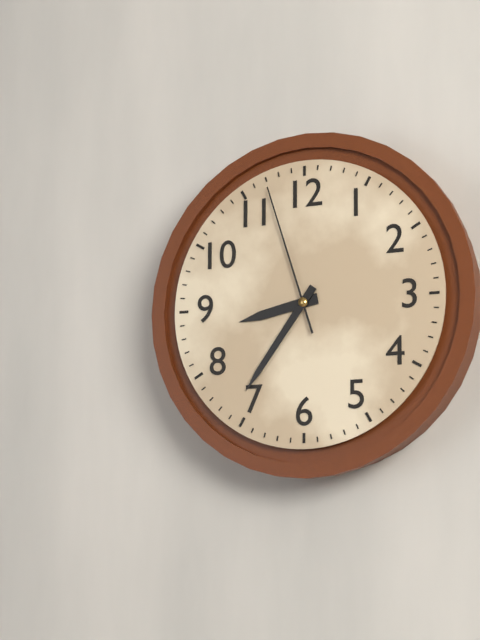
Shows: 8:36:57
